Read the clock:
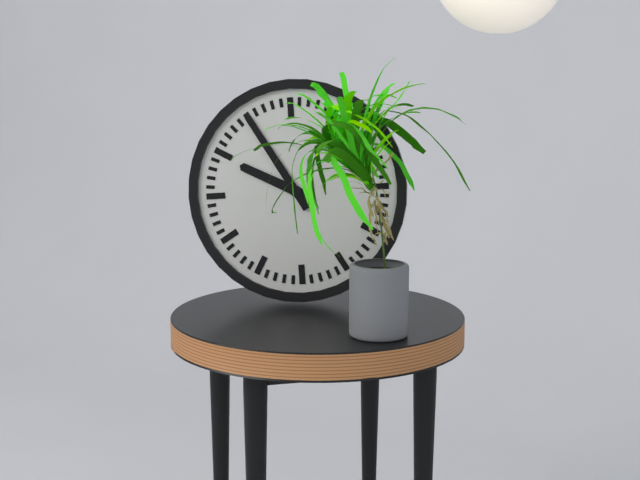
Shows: 9:55
